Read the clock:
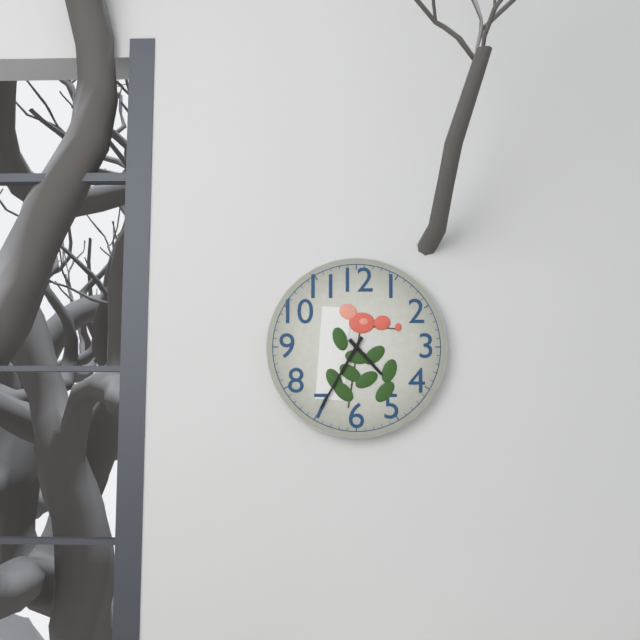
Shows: 4:35
